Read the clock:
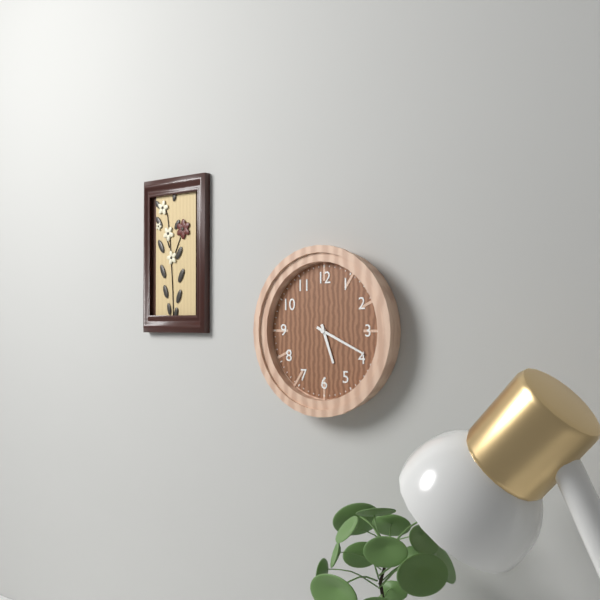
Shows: 5:19
